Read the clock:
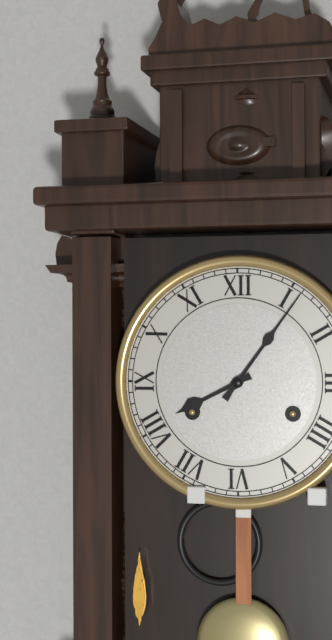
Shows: 8:06
